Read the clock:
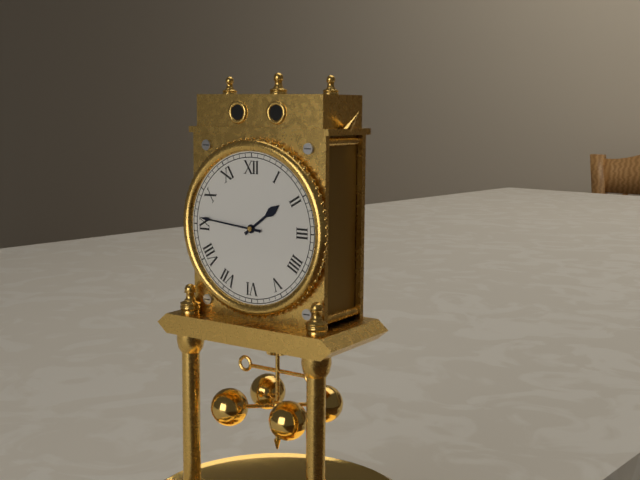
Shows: 1:46
